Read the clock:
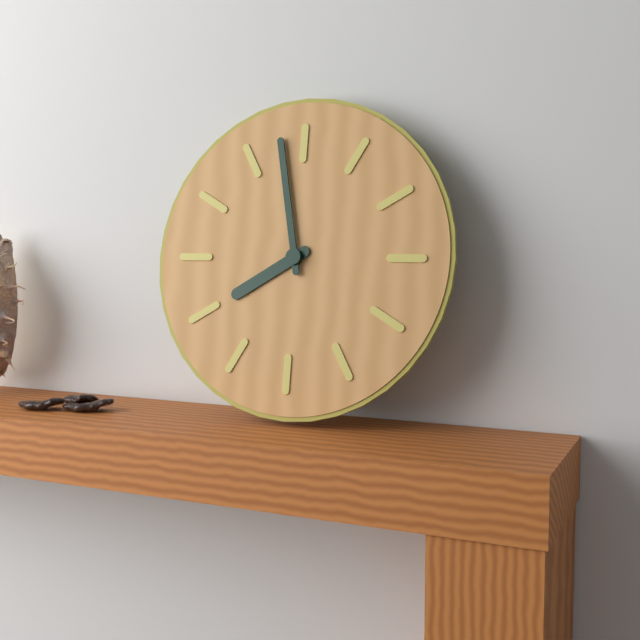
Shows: 7:58
